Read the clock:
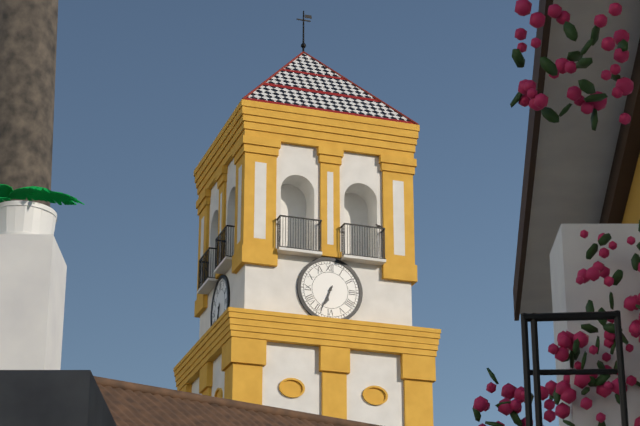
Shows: 6:34
